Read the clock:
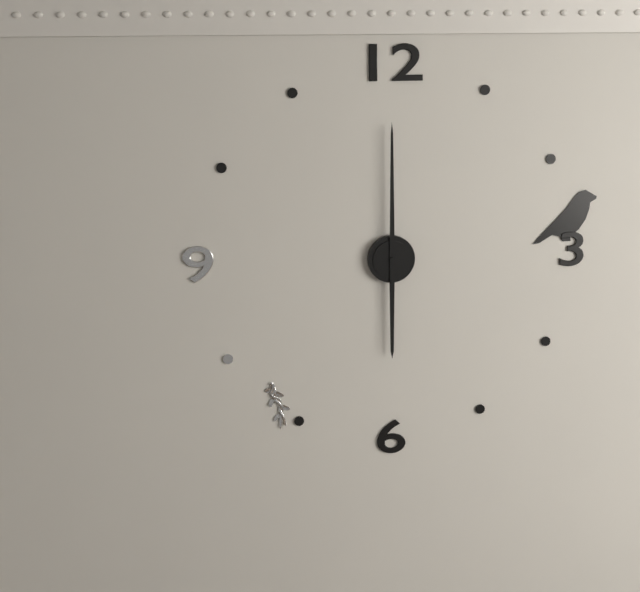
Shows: 6:00
